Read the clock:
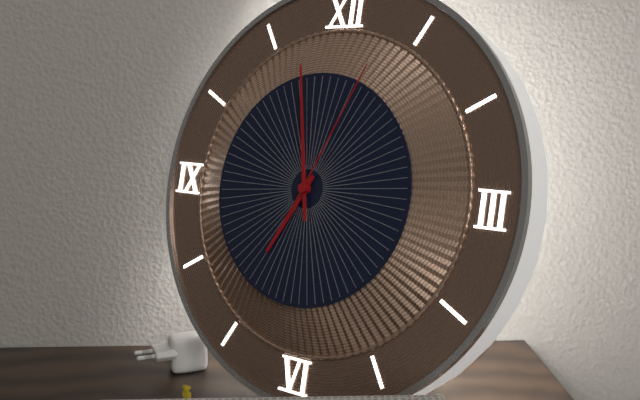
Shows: 6:58:04
